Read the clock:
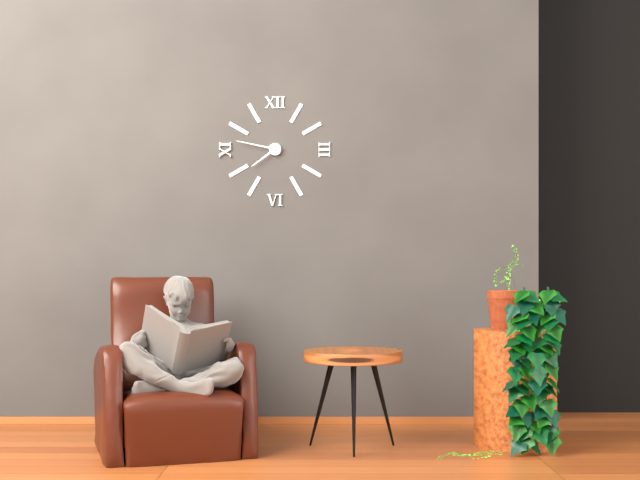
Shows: 7:47
